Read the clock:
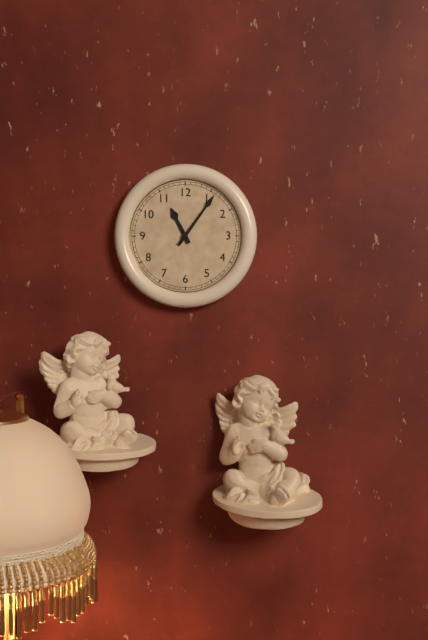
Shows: 11:06
